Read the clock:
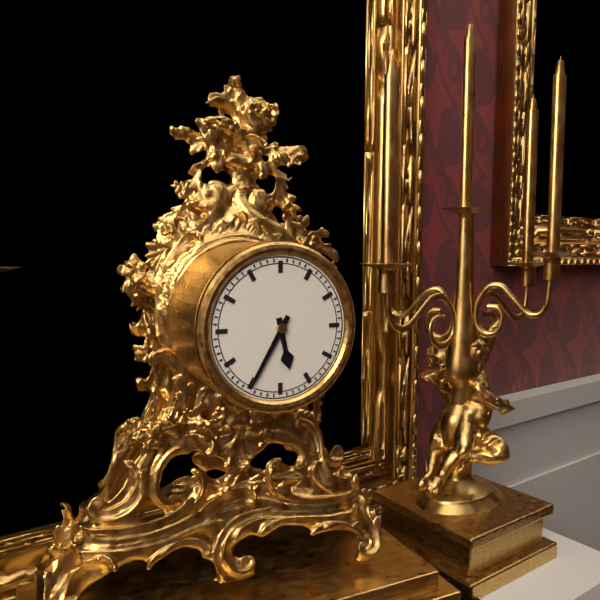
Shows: 5:35
